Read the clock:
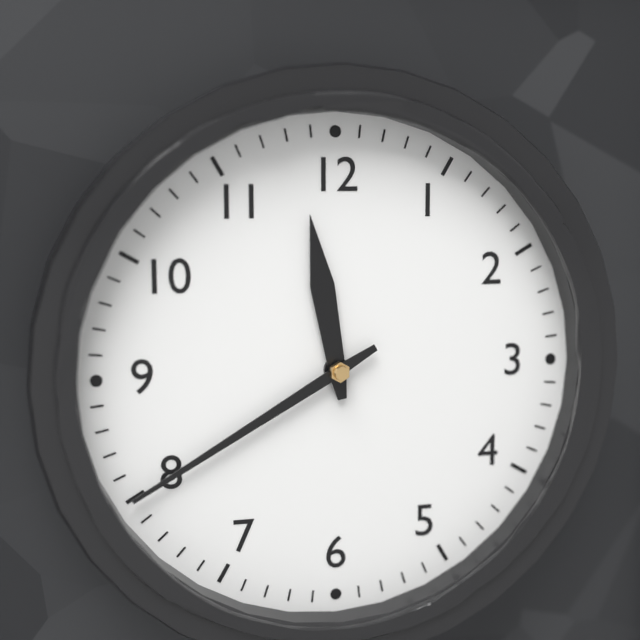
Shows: 11:40
